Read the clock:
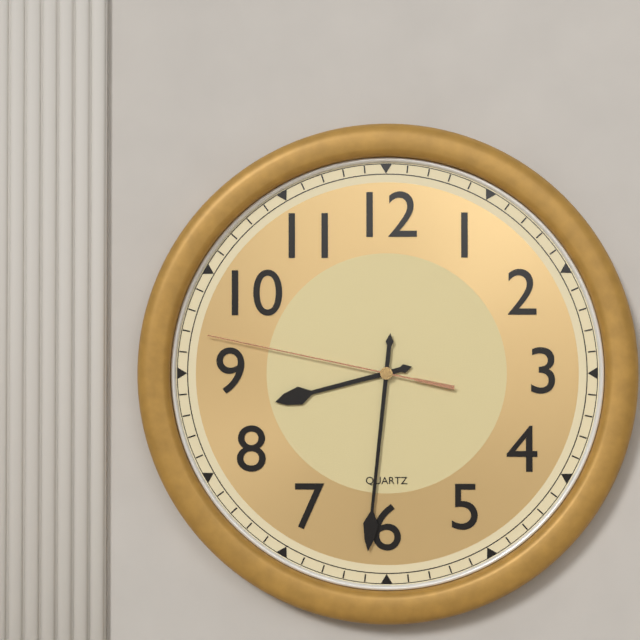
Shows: 8:31:47
